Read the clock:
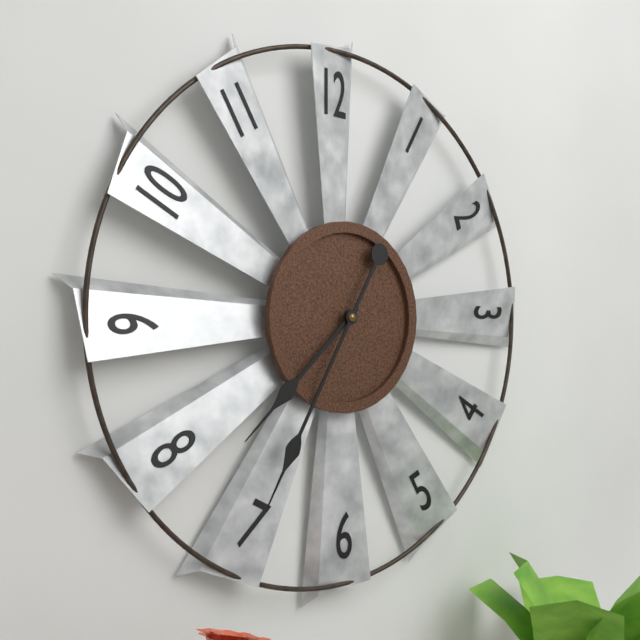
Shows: 7:35
